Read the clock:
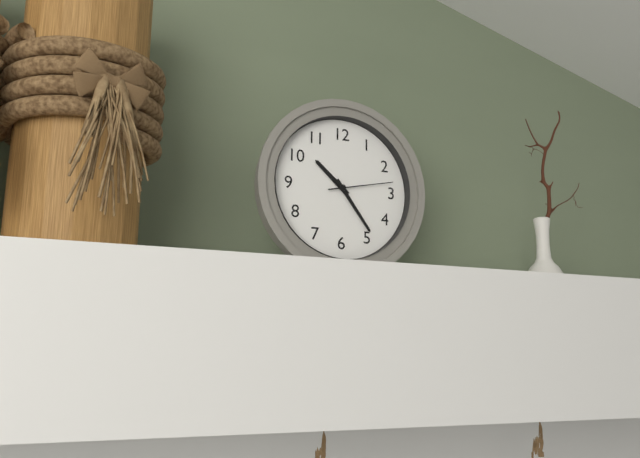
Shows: 10:24:13
